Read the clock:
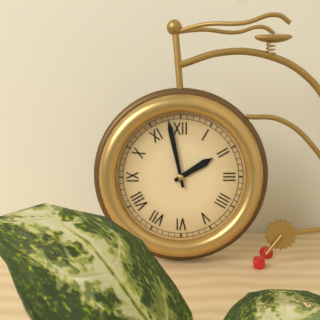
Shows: 1:58
